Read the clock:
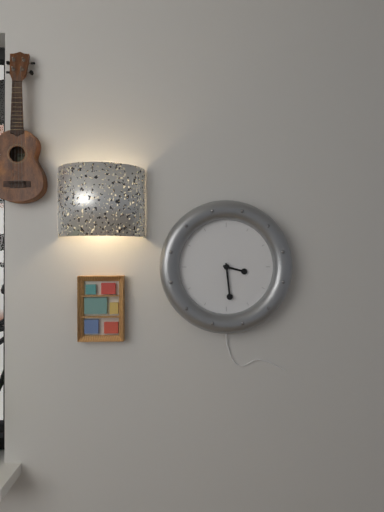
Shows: 3:29
